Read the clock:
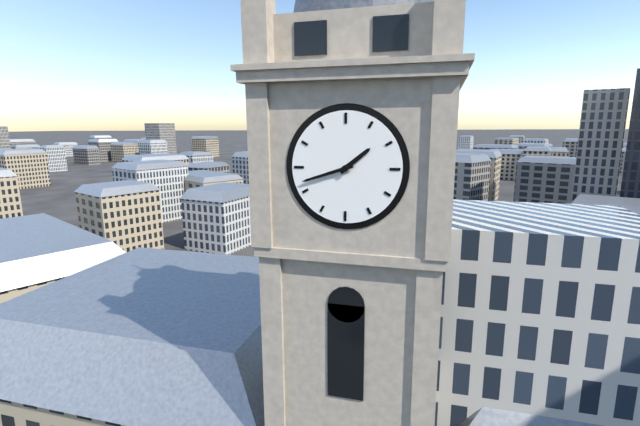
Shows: 1:42
